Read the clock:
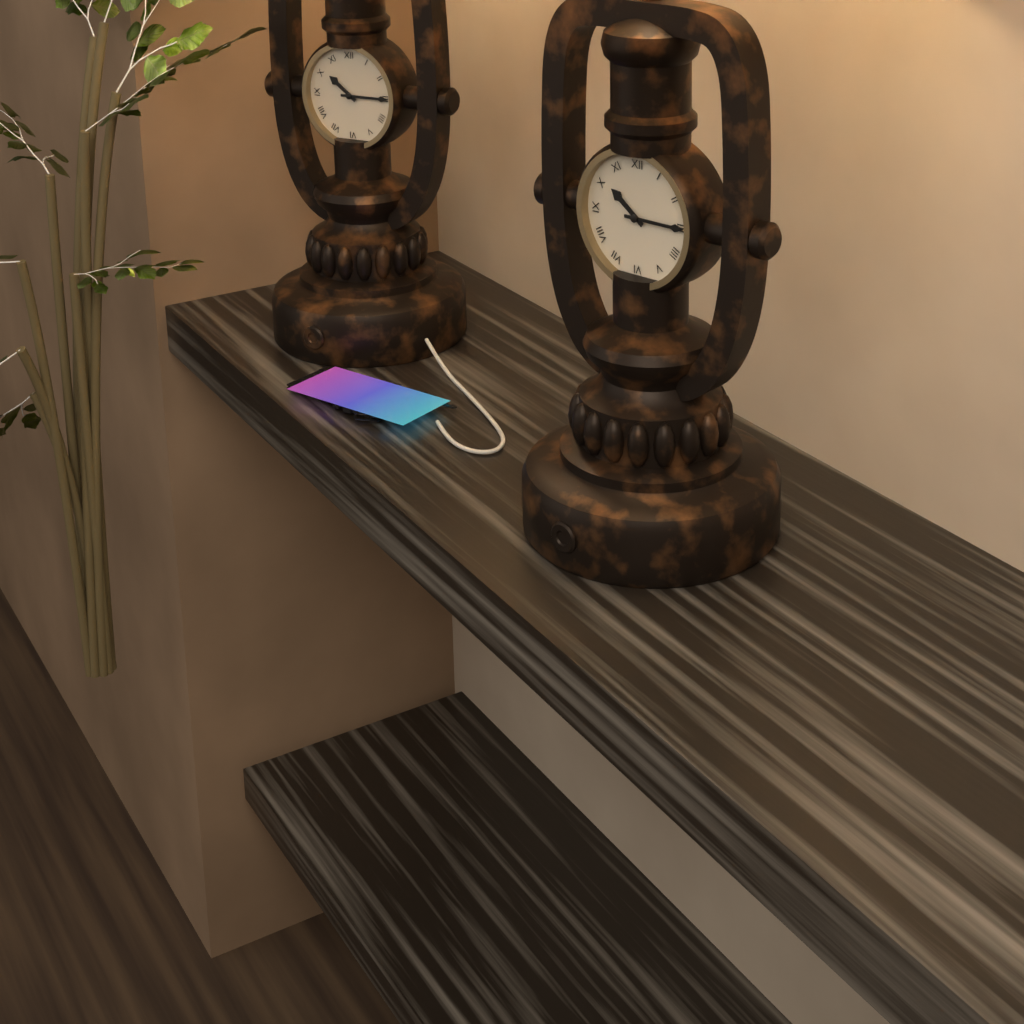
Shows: 10:15
